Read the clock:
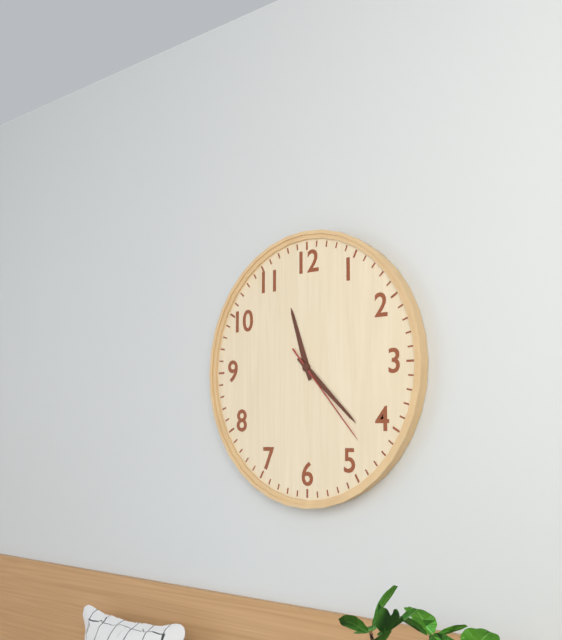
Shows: 11:22:23
